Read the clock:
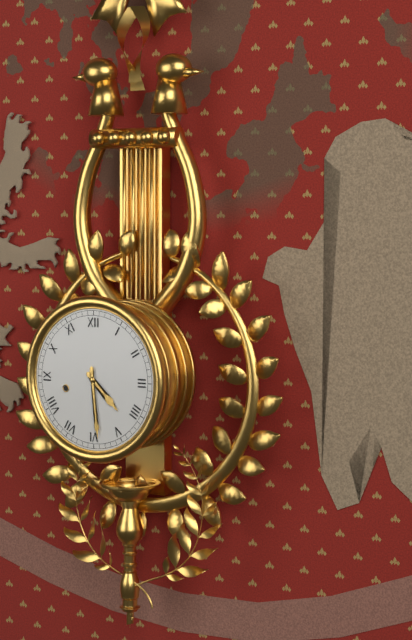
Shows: 4:29
